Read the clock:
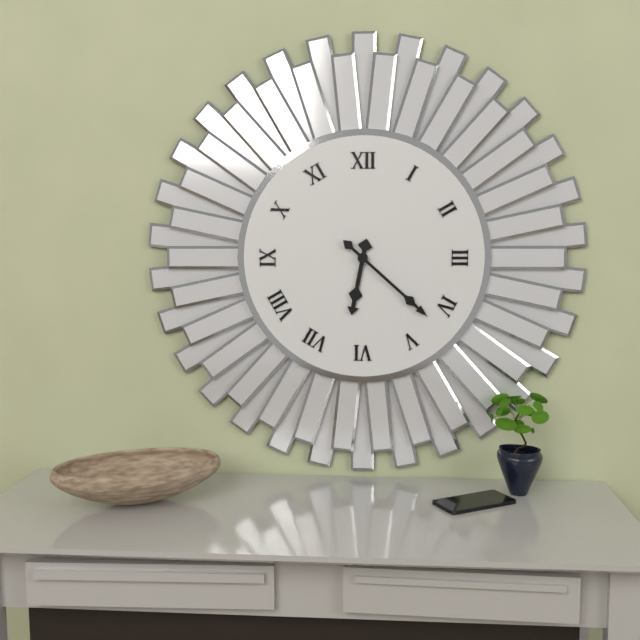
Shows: 6:22
